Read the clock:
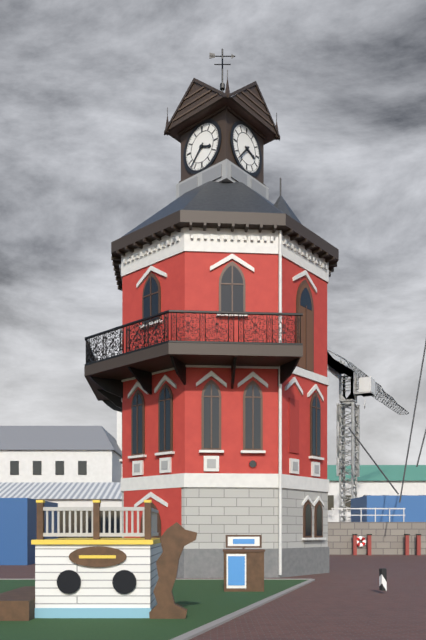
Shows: 3:37
